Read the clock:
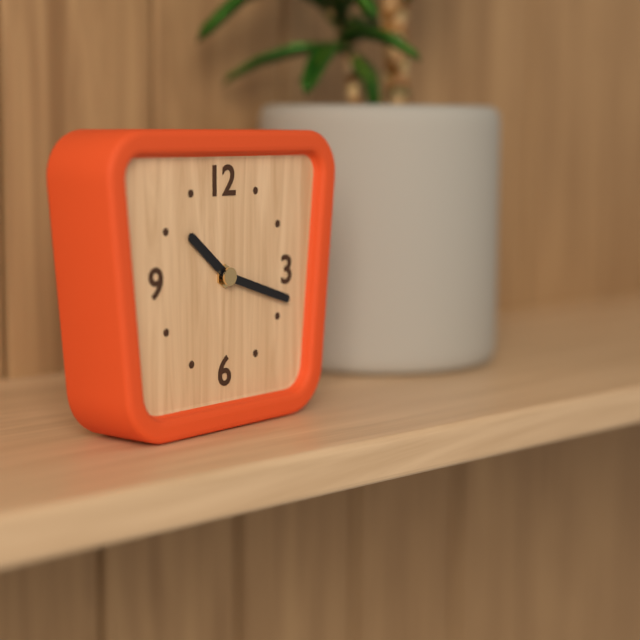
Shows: 10:18
